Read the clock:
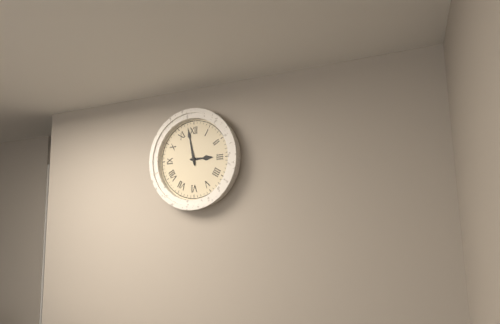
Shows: 2:58
